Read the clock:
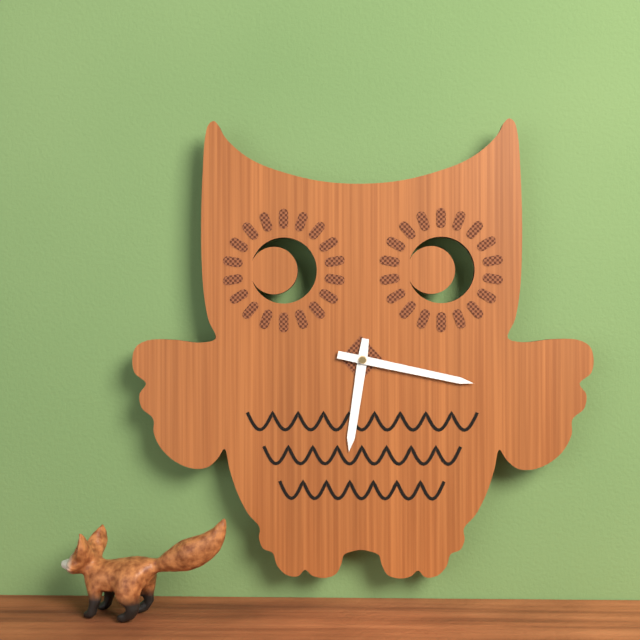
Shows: 6:17
